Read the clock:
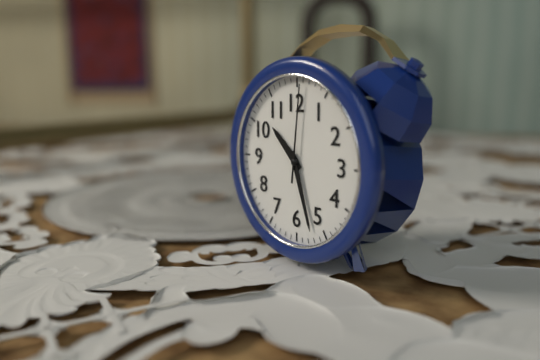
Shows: 10:27:01
